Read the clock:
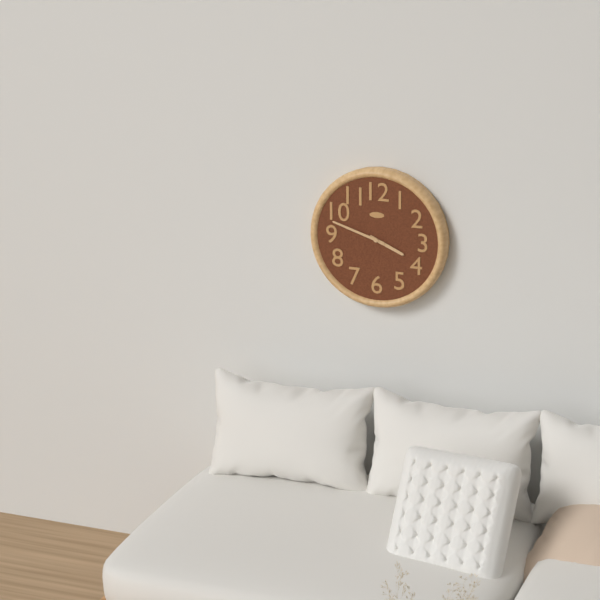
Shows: 3:48
